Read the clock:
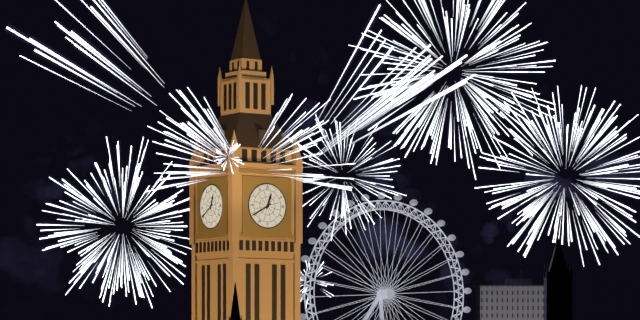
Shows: 12:40
